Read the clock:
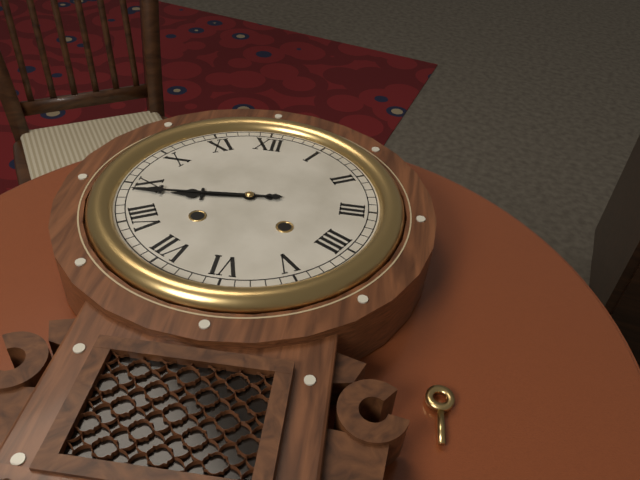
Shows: 8:44
